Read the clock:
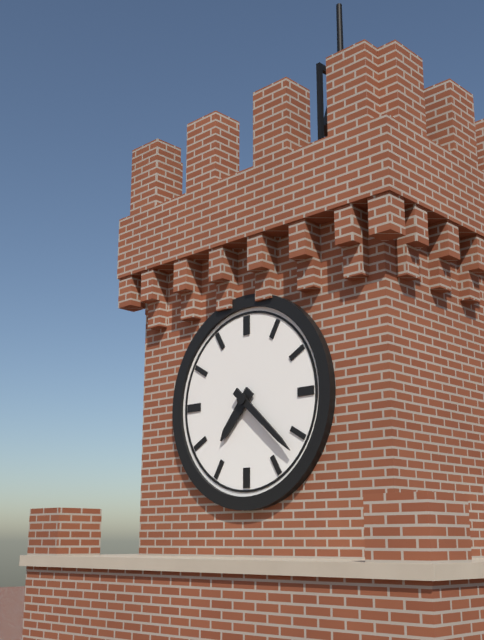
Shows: 7:22
